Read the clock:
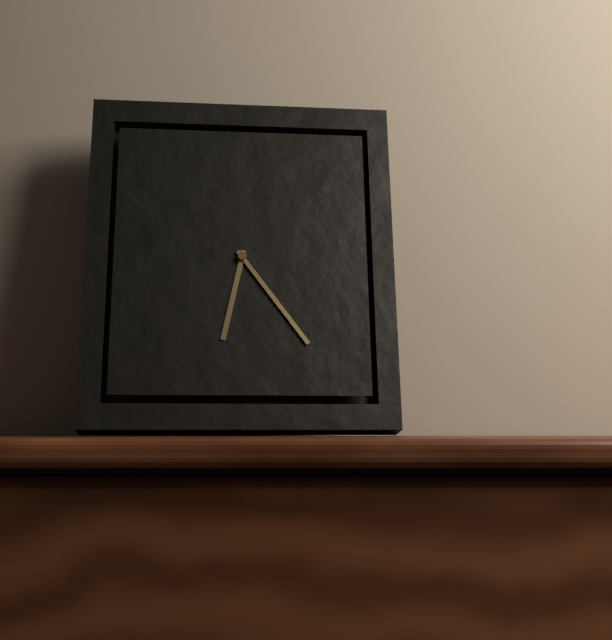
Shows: 6:24
